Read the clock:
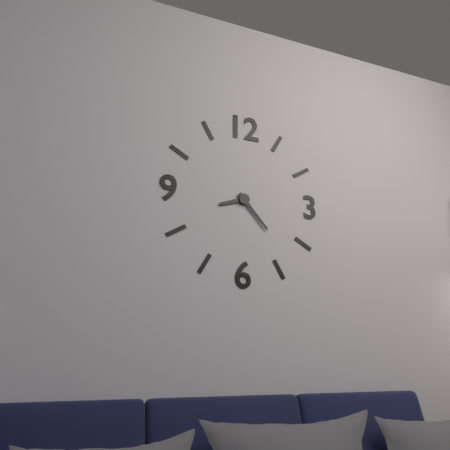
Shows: 8:23
